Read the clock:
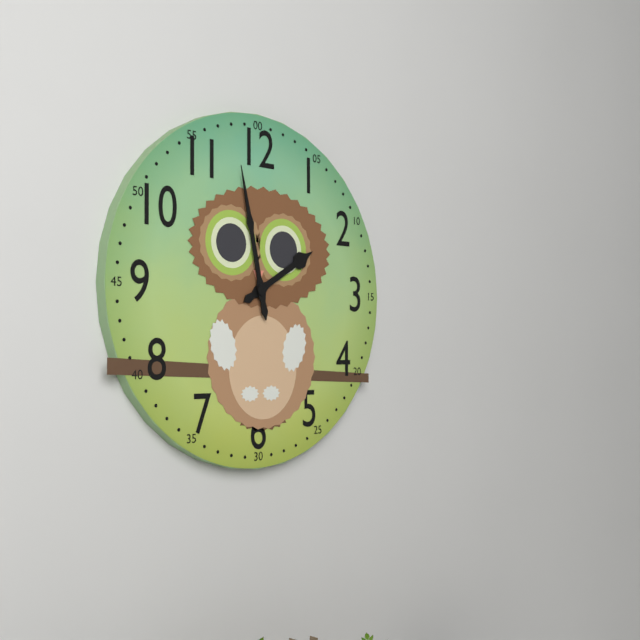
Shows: 1:58
